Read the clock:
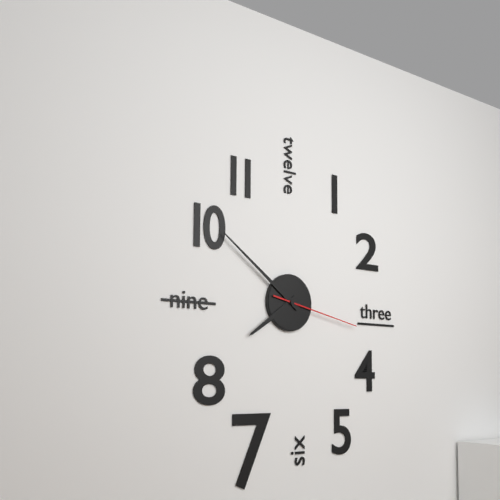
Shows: 7:51:17
